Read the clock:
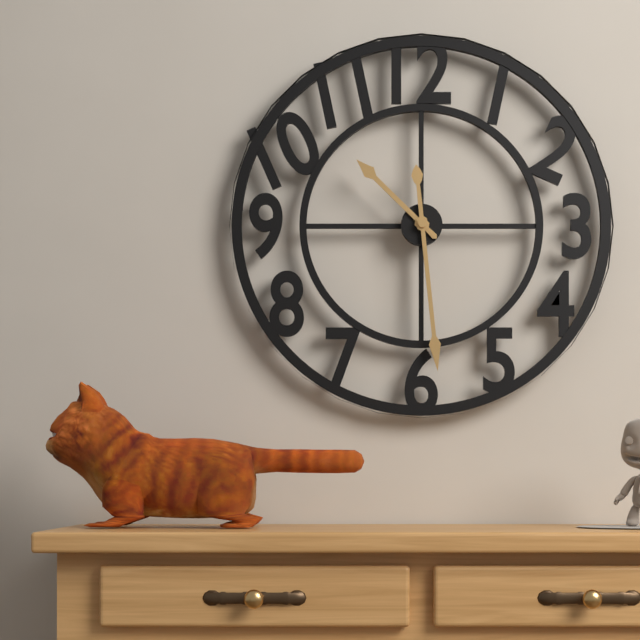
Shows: 10:29
